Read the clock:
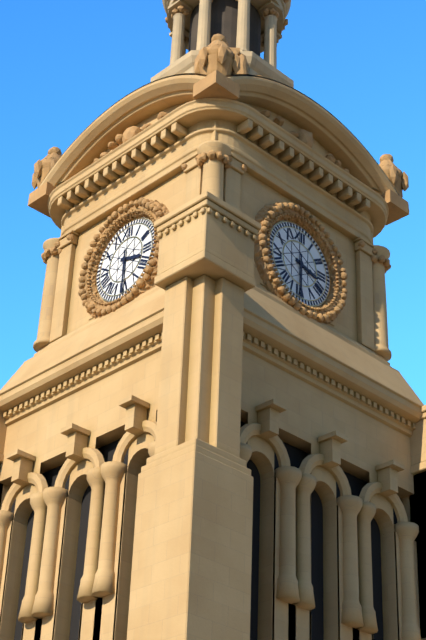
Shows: 3:30
